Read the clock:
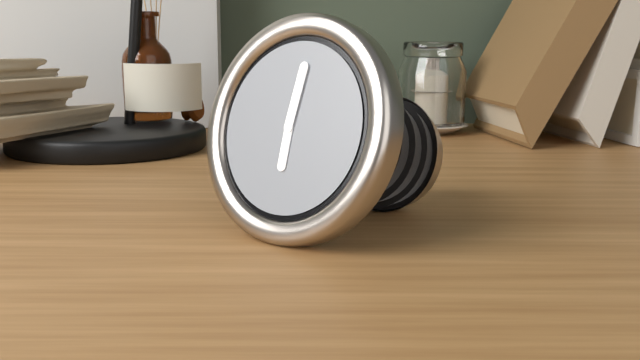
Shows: 6:01
